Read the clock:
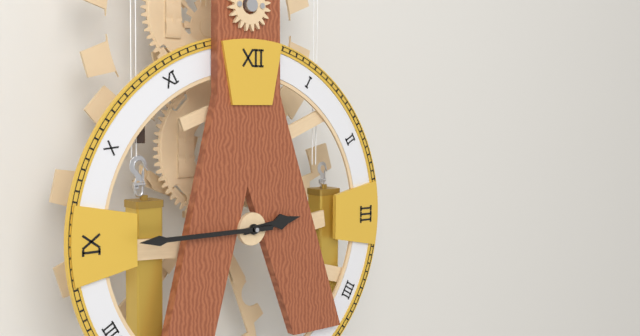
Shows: 2:45
